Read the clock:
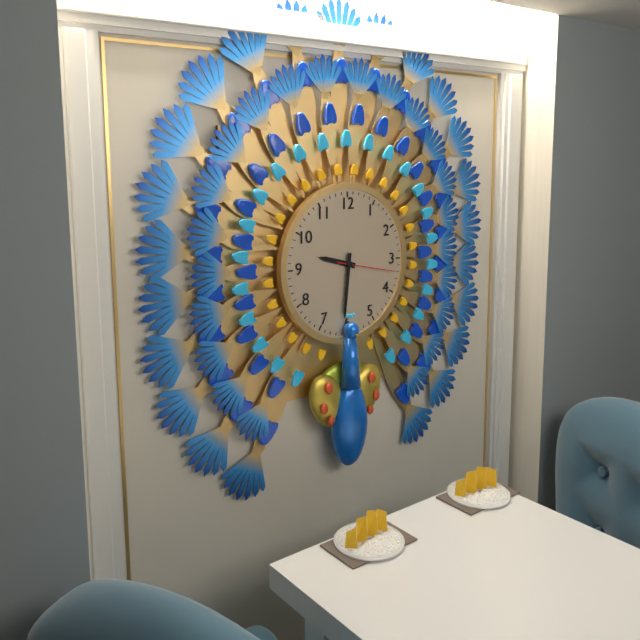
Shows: 9:31:17
